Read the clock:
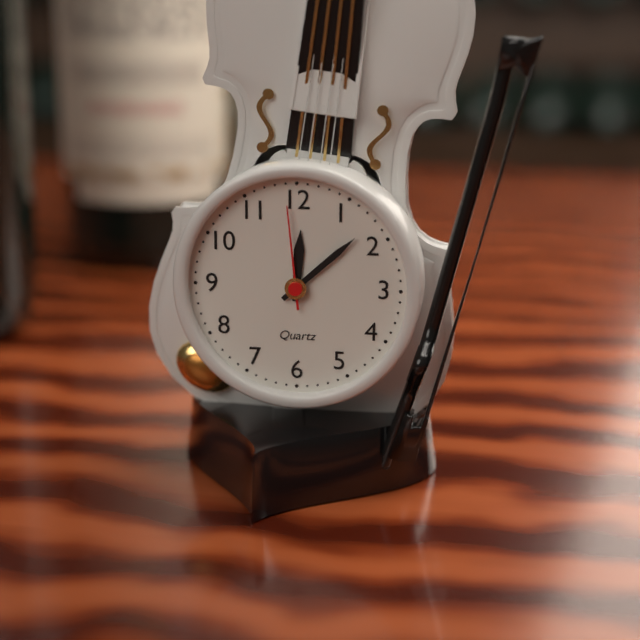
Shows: 12:08:59
